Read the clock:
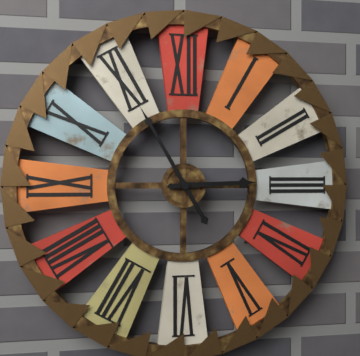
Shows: 2:55
